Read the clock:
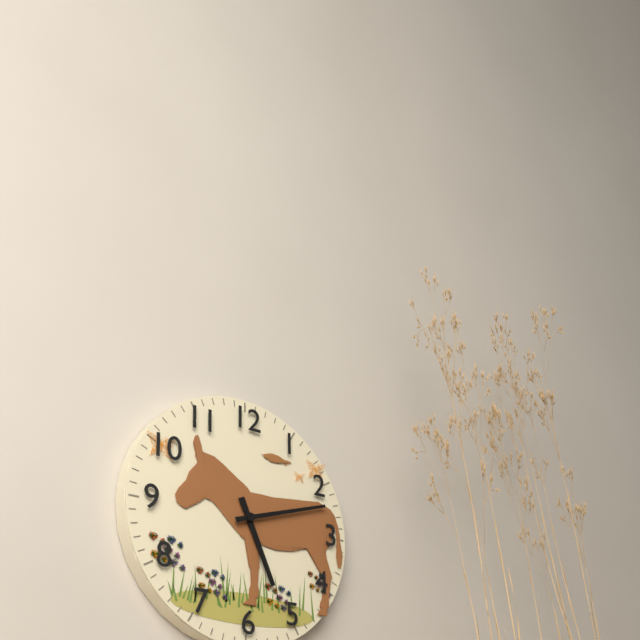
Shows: 5:12
